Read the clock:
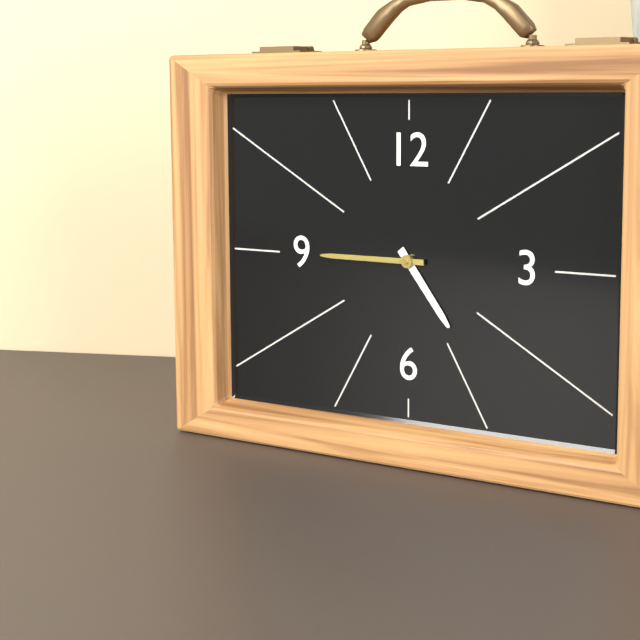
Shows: 4:45
